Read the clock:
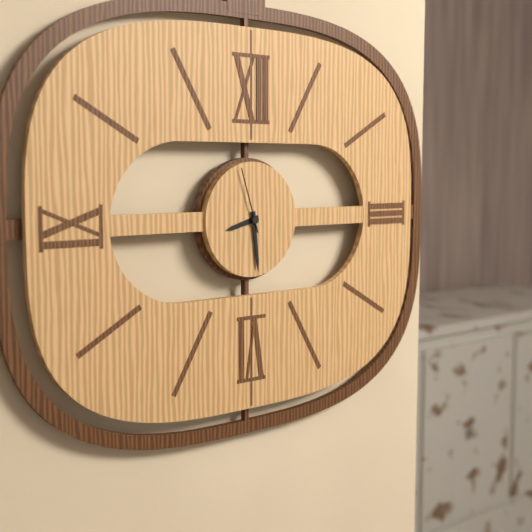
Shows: 8:29:57
